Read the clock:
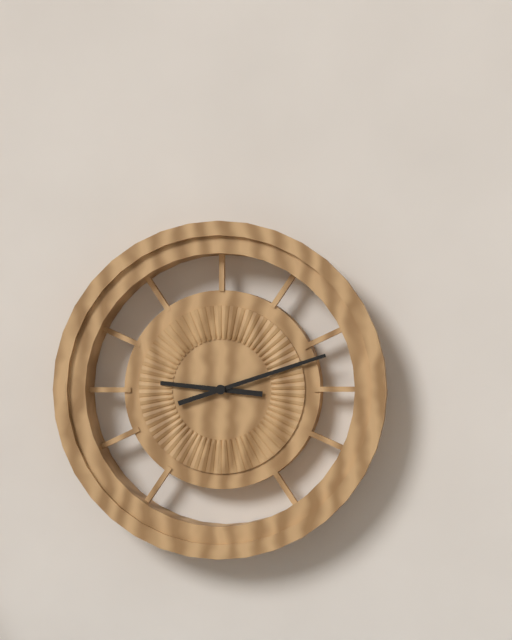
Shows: 9:12
